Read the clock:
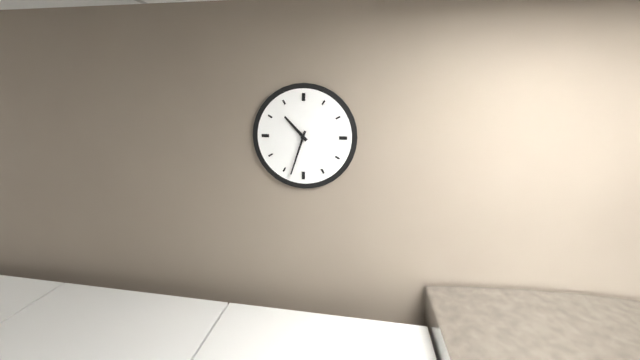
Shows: 10:33
